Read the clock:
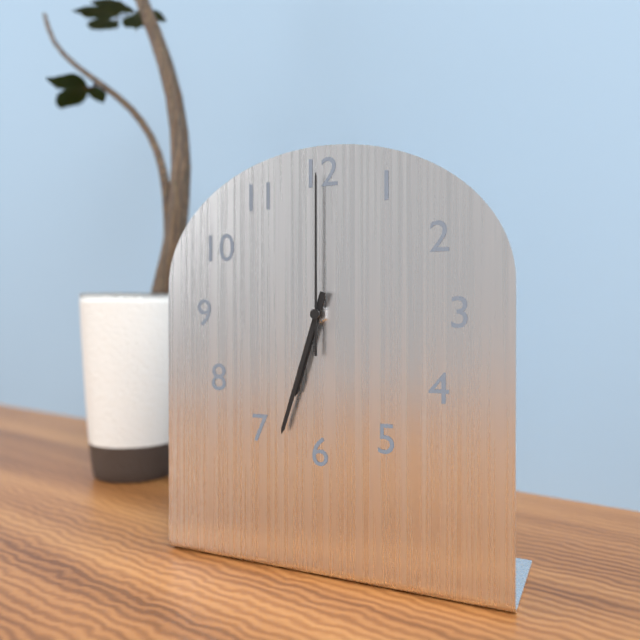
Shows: 6:33:00
